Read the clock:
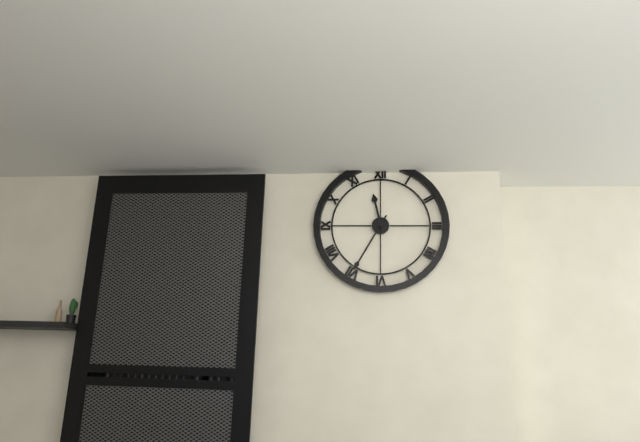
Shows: 11:35
